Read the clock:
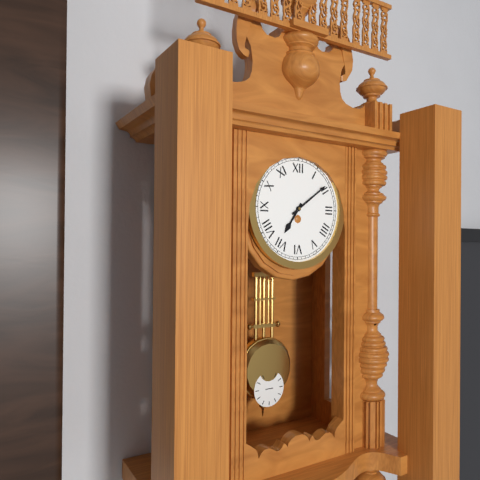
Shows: 7:09
